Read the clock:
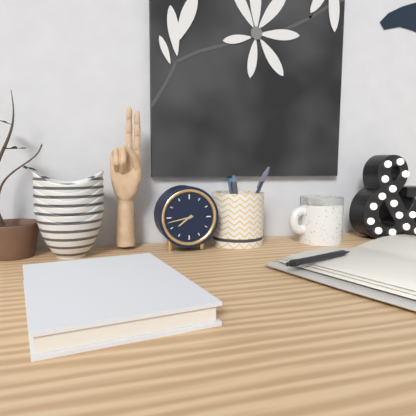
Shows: 7:43
